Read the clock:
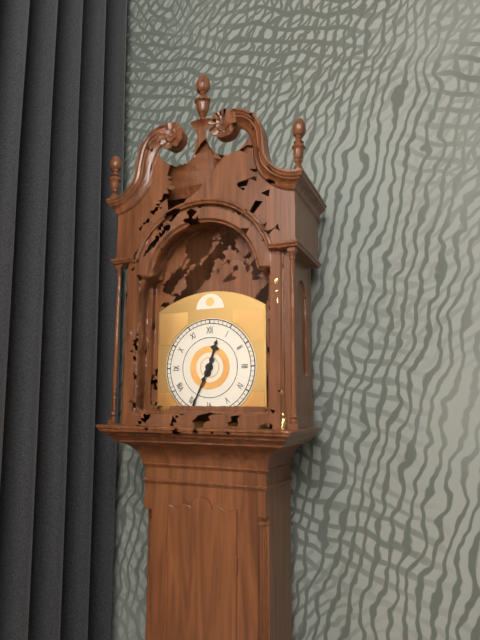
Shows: 12:34
